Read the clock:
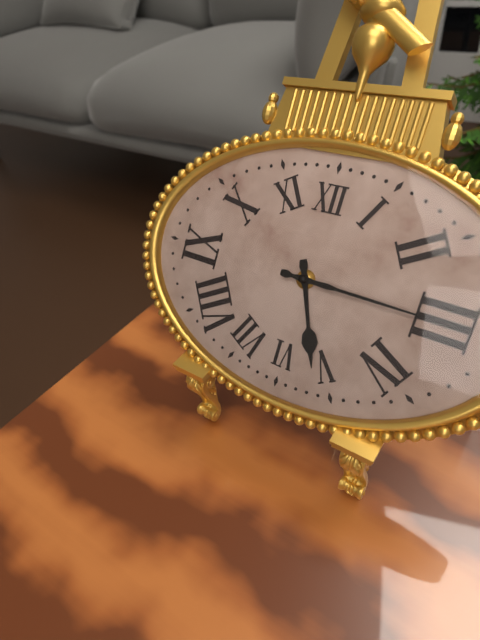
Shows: 5:15
